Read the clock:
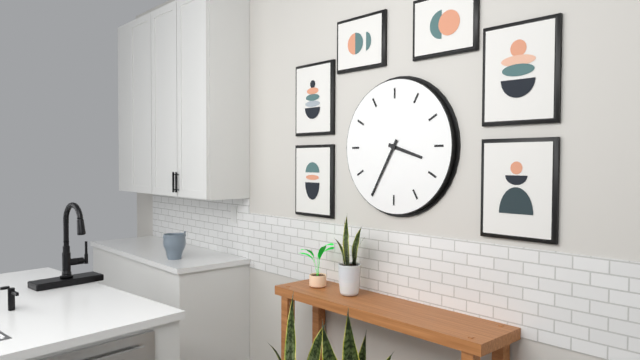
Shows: 3:35
